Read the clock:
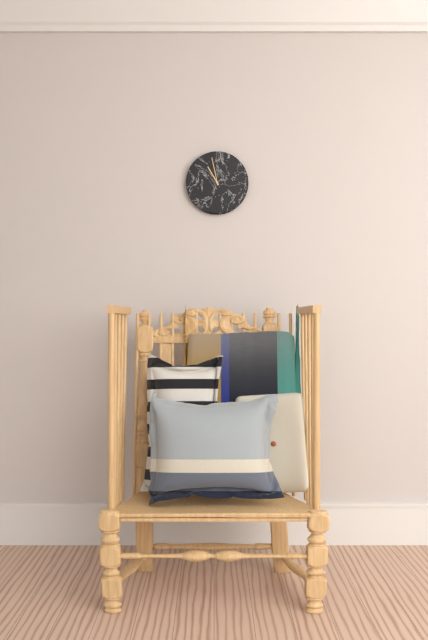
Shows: 10:58
